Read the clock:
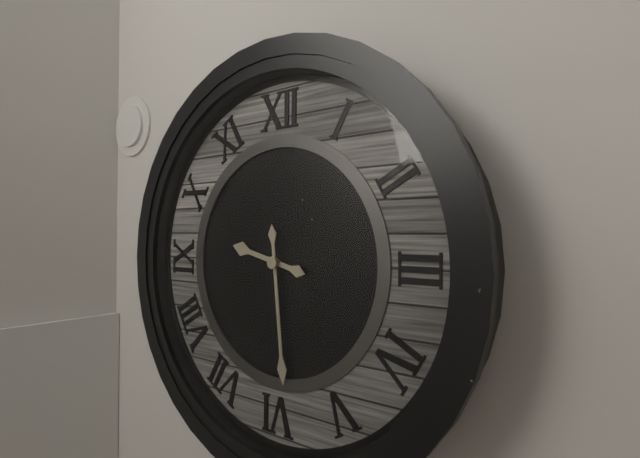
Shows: 9:29
